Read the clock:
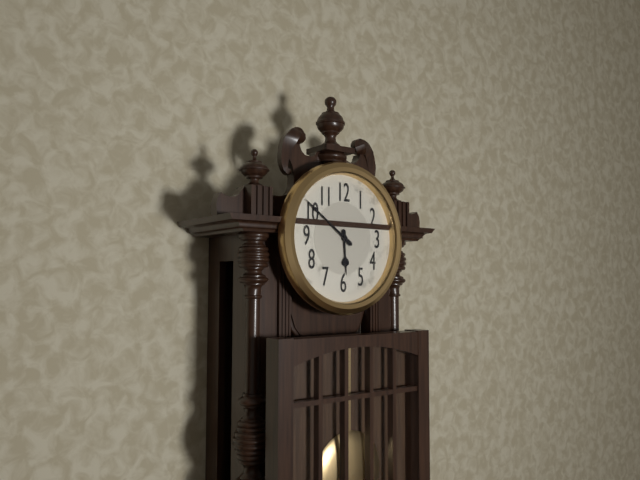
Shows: 5:51
